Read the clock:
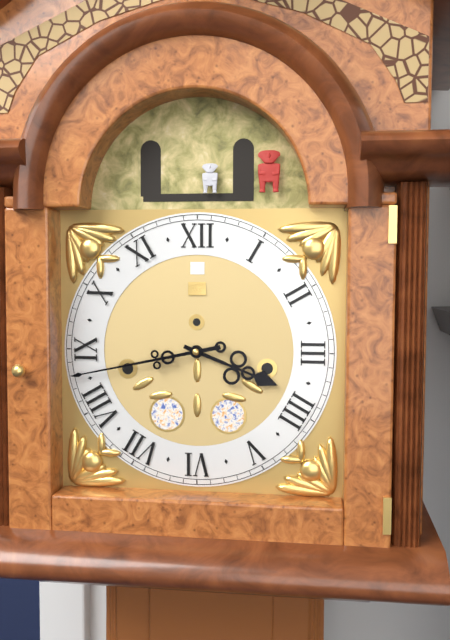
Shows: 3:43
